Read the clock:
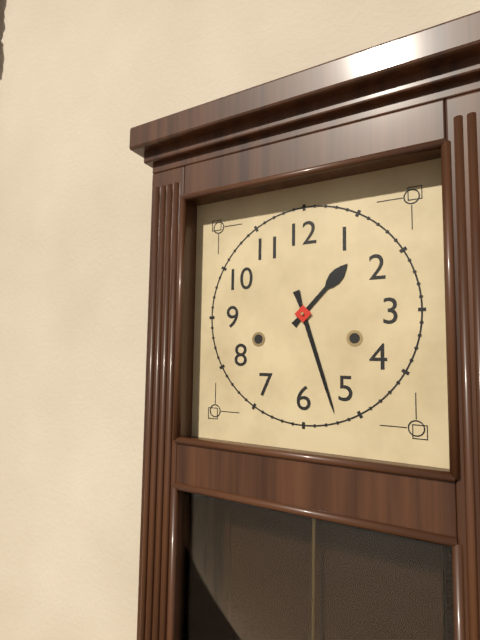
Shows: 1:27
